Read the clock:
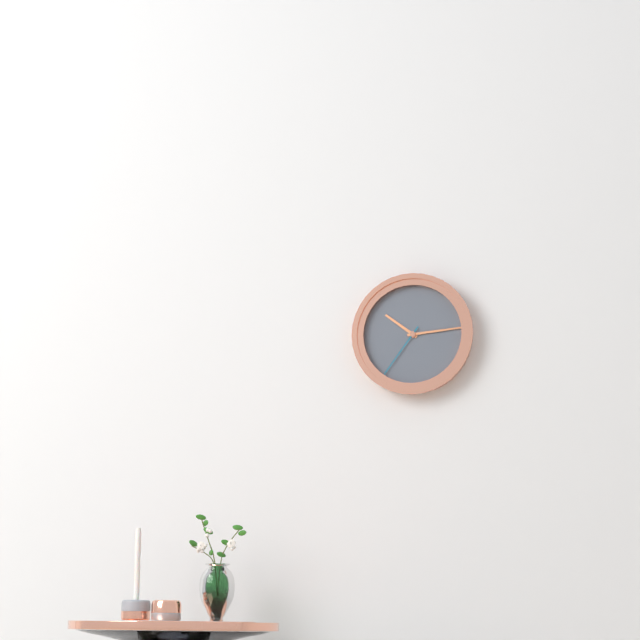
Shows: 10:14:36
